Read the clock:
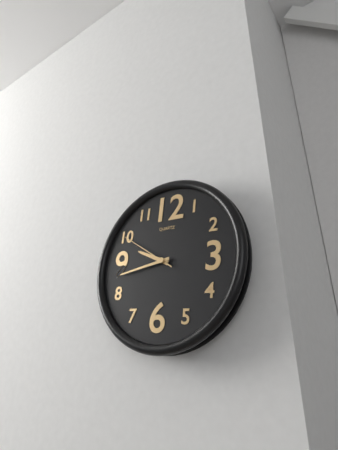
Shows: 9:43:50
